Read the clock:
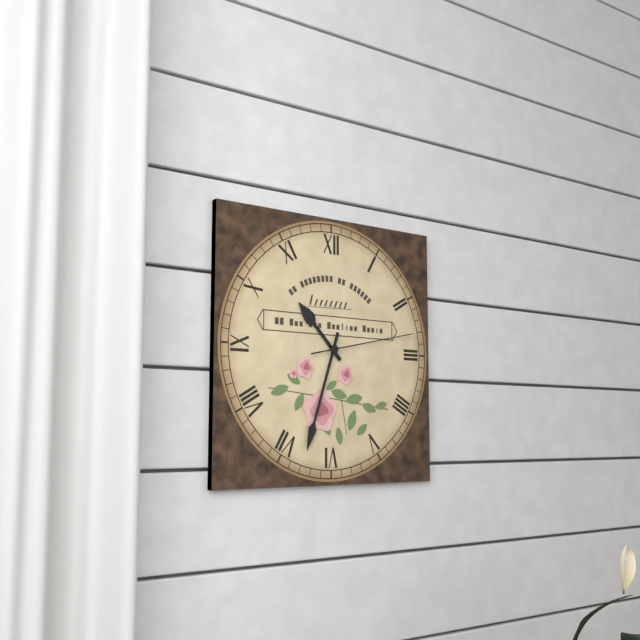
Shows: 10:33:13
